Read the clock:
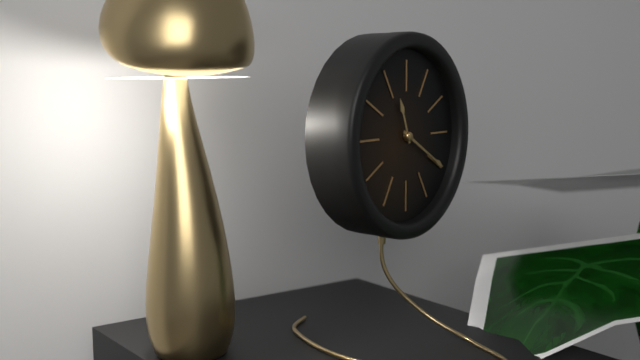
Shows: 11:20
